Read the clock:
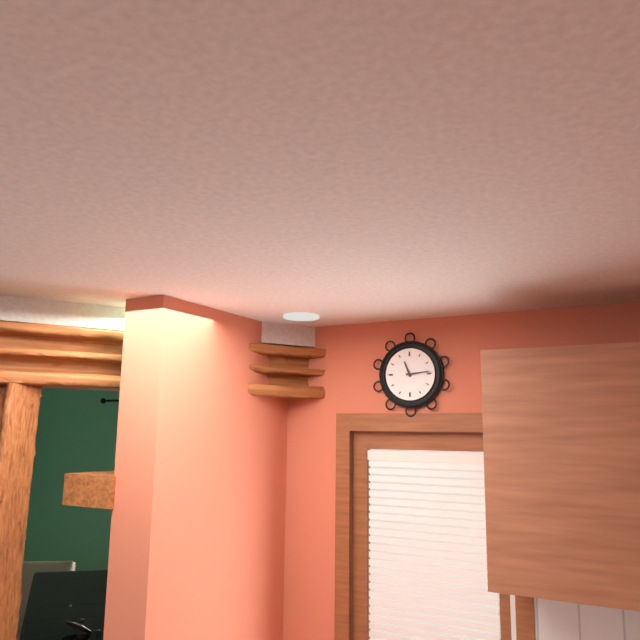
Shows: 11:14
